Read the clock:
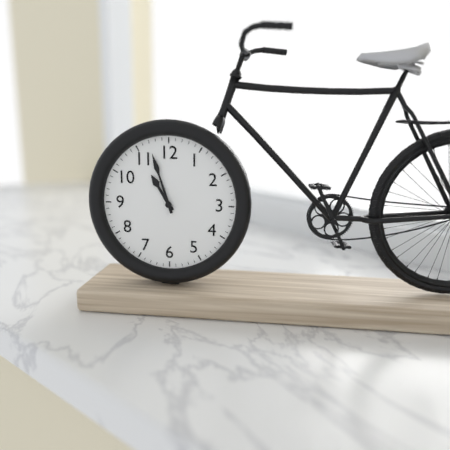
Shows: 10:57
